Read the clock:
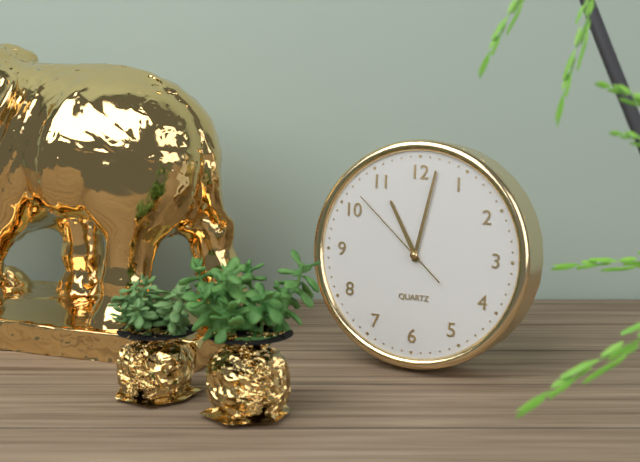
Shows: 11:02:52
